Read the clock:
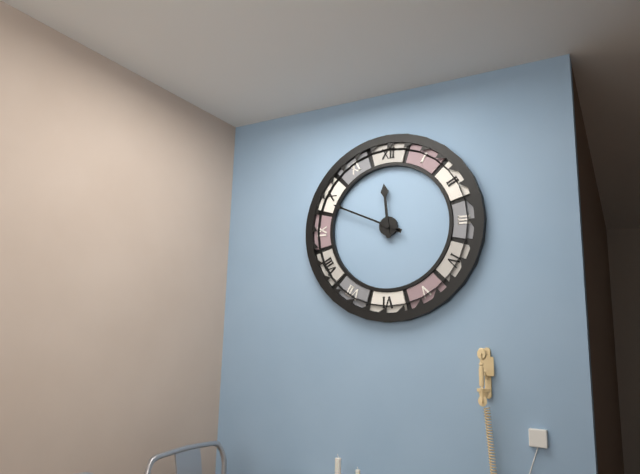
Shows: 11:49
